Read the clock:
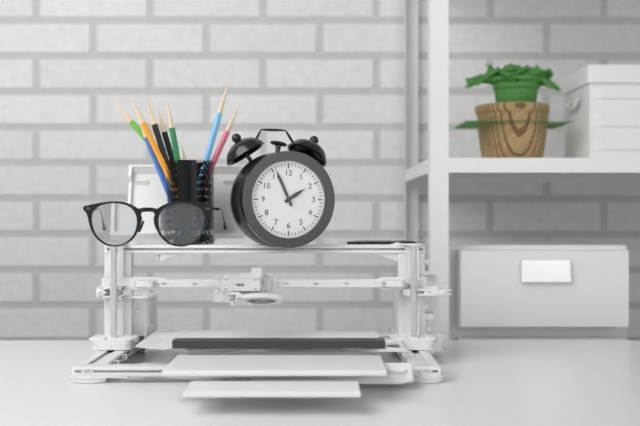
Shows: 1:56
